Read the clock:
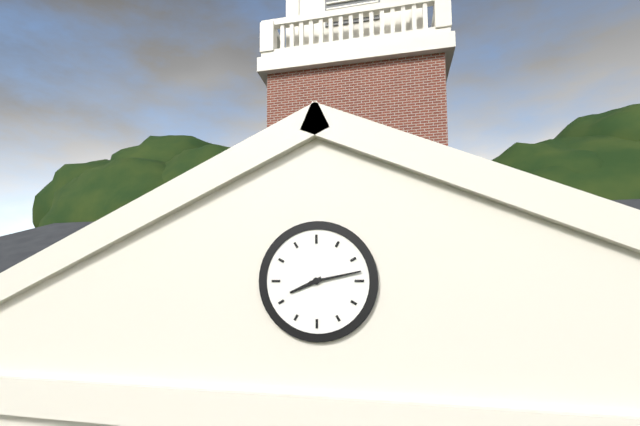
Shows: 8:13
